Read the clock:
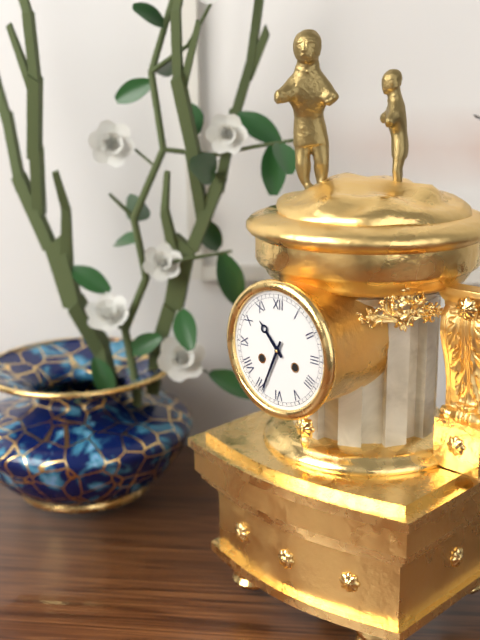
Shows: 10:34
